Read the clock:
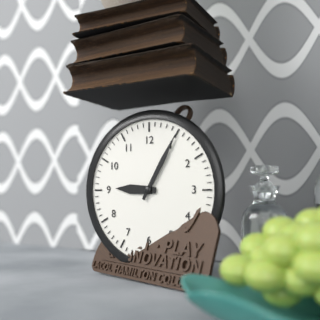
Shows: 9:05
